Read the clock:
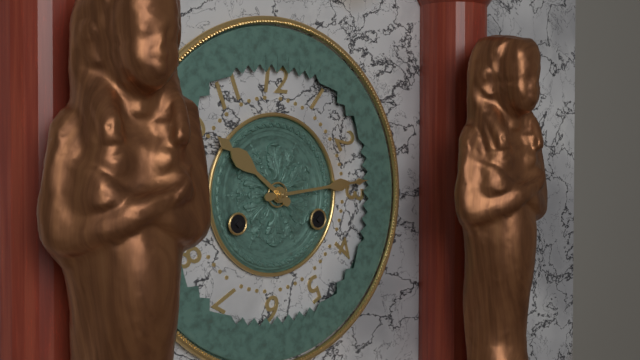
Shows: 10:14
